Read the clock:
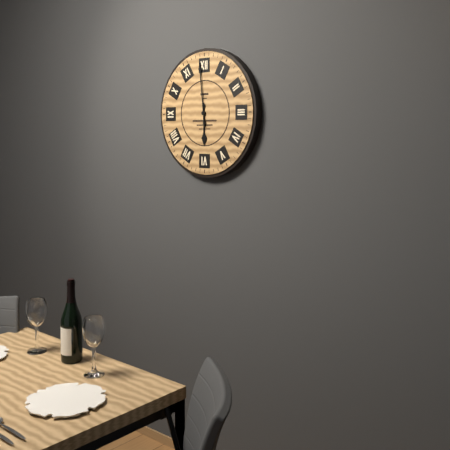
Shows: 5:59
